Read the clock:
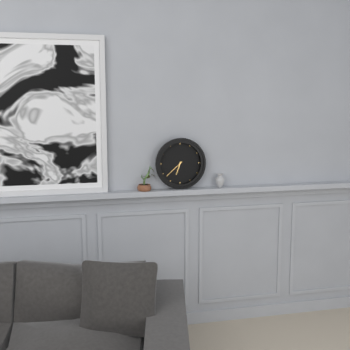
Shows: 6:38
